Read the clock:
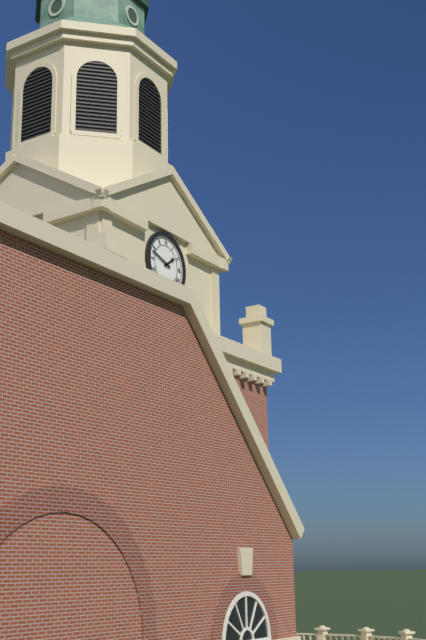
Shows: 1:48
